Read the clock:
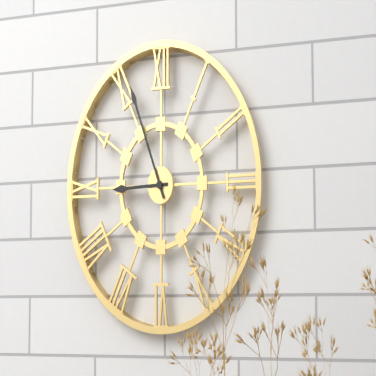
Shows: 8:56
